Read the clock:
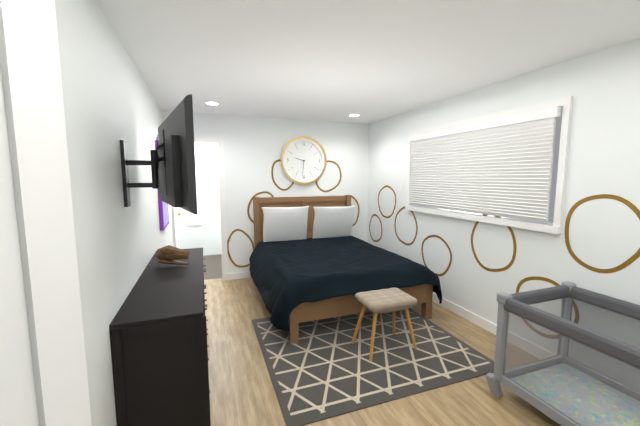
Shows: 9:31
